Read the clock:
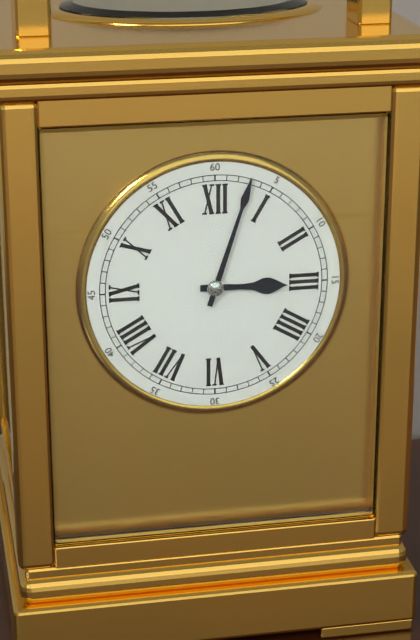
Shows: 3:03
